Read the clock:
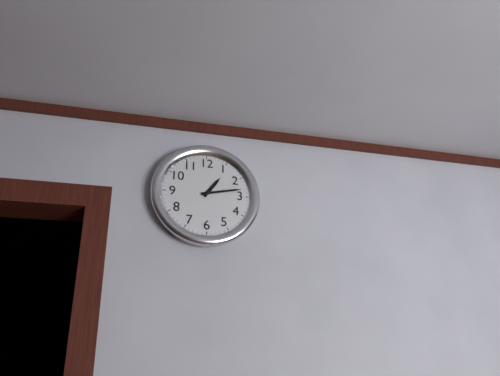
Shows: 1:13
